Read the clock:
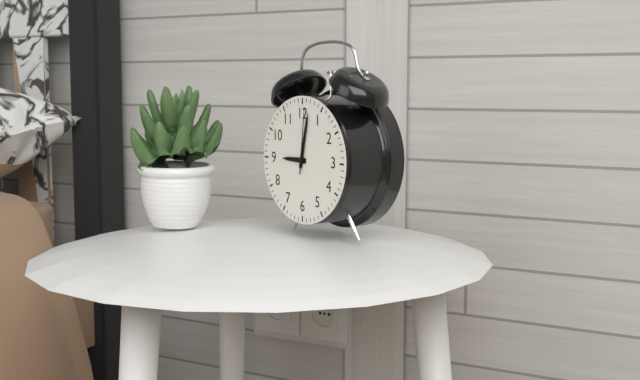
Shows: 9:02:01
